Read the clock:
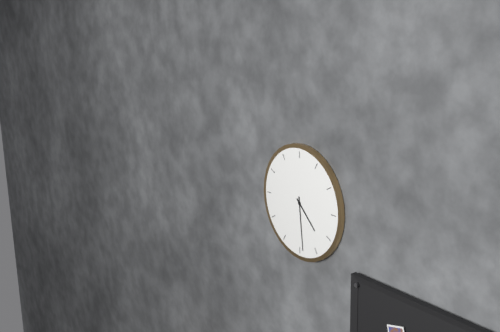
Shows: 4:29
